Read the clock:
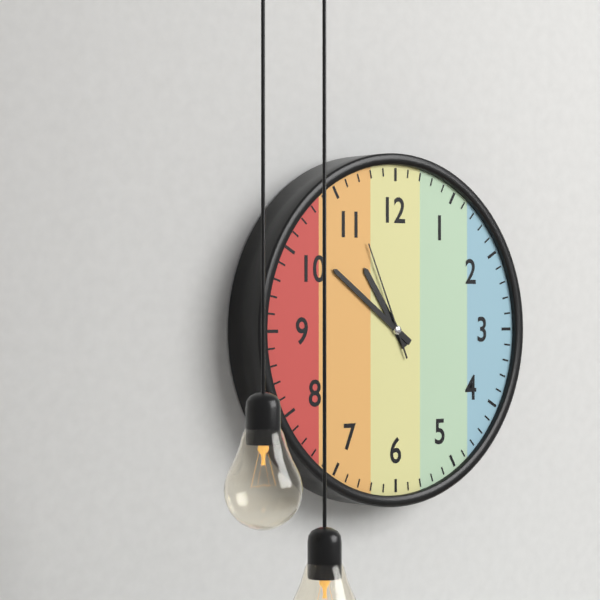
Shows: 10:51:56
